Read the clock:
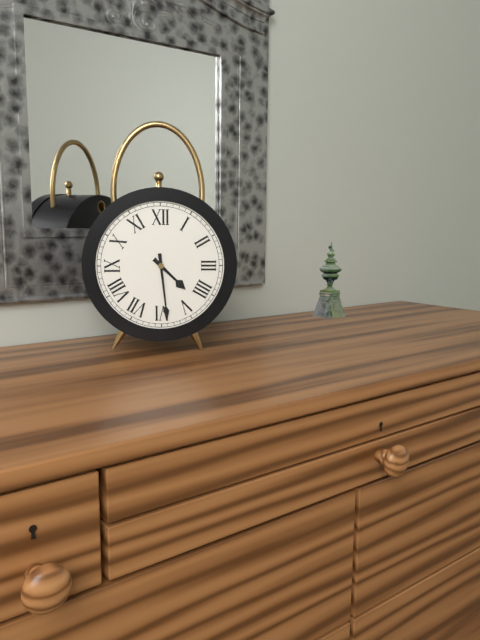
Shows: 4:29
